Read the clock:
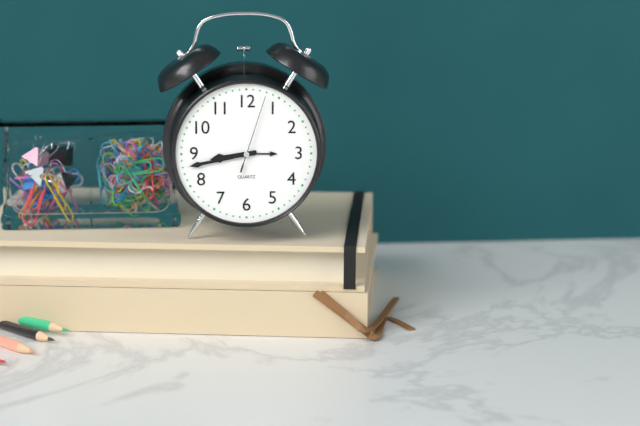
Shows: 8:43:03
